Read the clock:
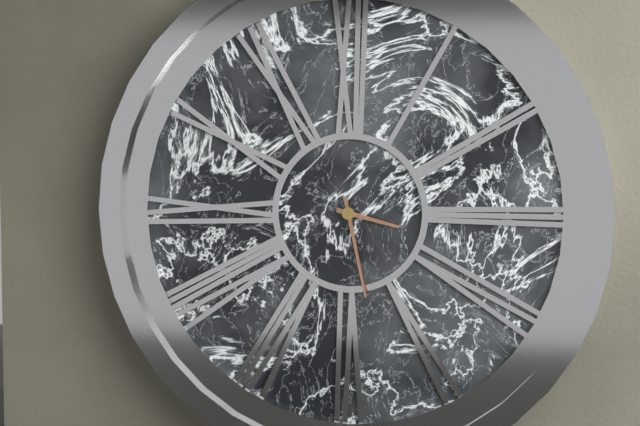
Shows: 3:28
